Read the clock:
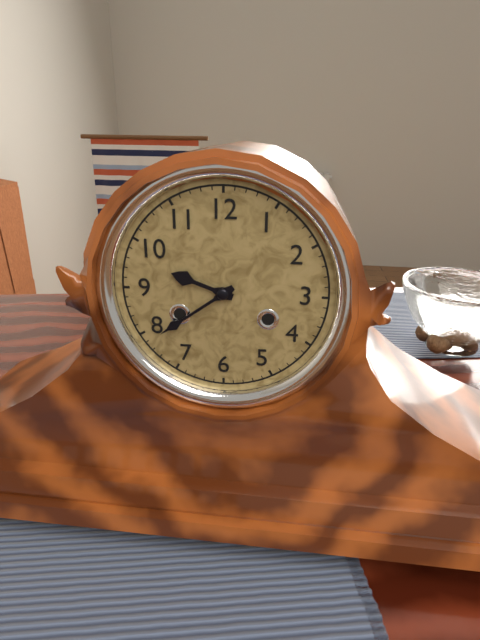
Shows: 9:39
